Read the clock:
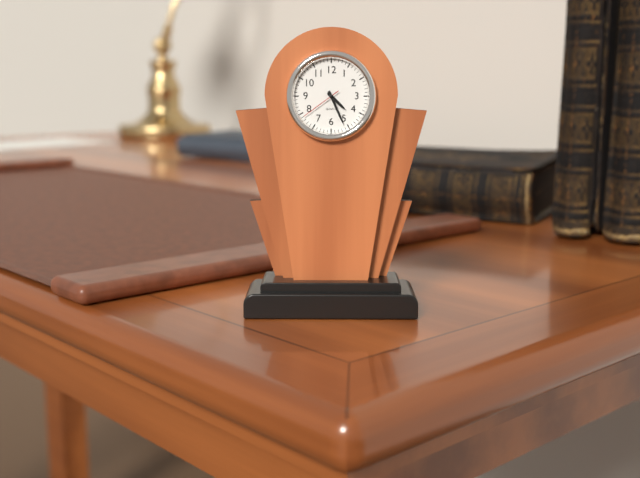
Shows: 4:26
